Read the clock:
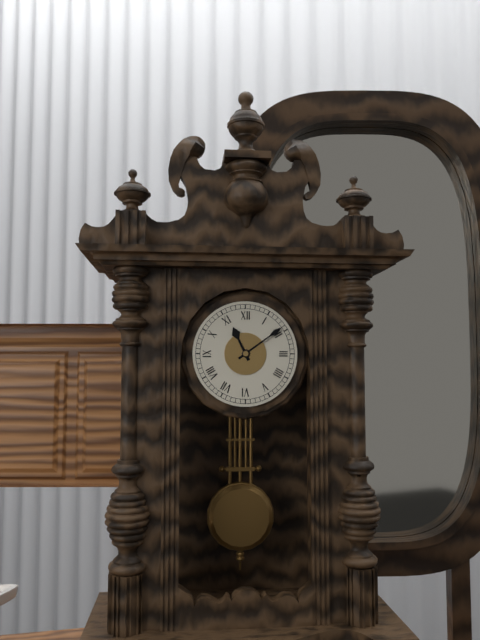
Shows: 11:09
